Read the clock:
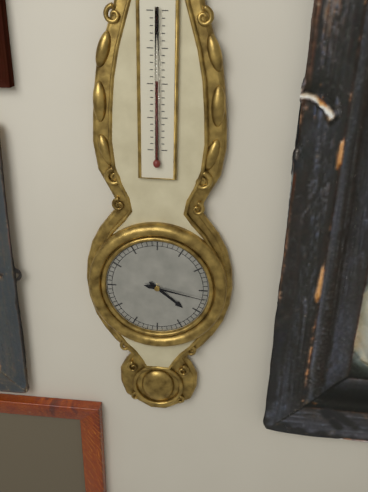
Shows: 4:17
